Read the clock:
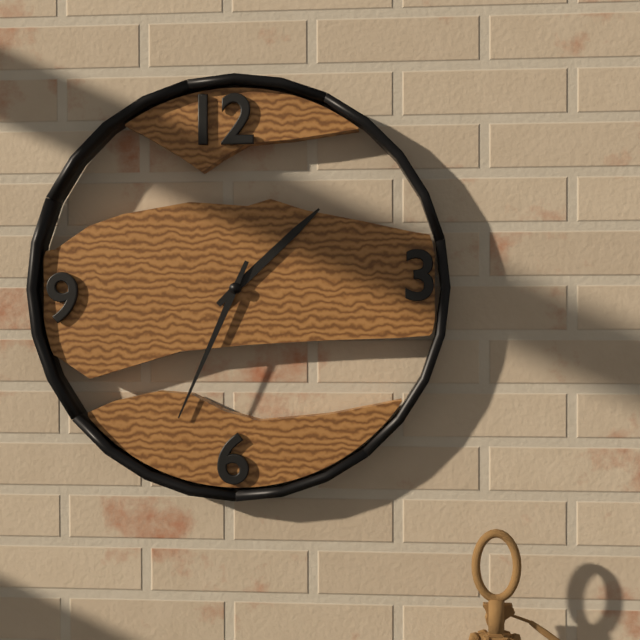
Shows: 1:34
